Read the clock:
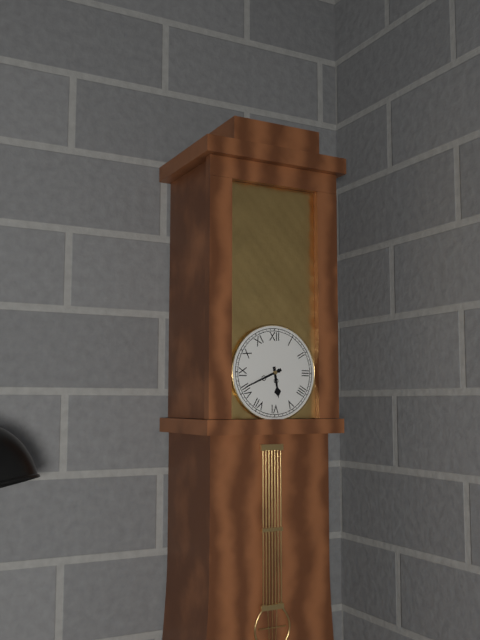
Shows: 5:41
